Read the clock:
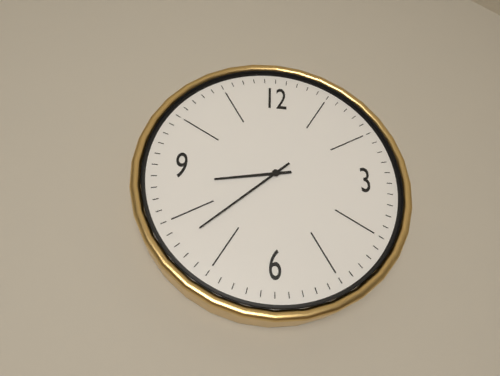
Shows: 8:38
